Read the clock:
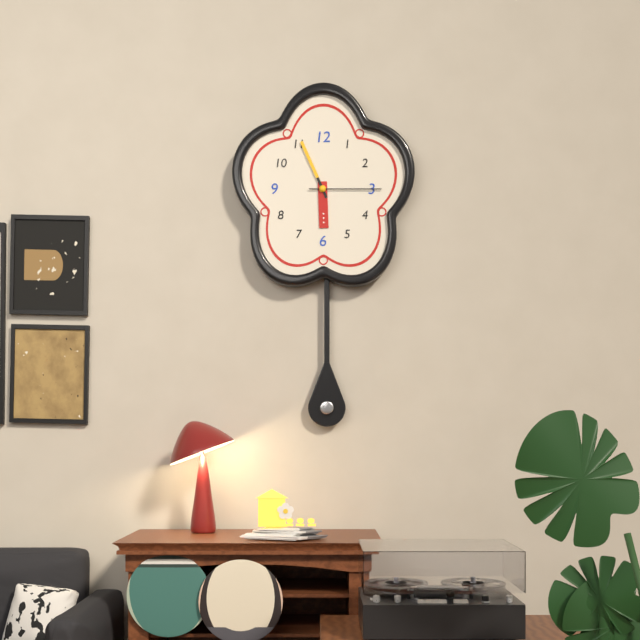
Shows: 5:56:15
